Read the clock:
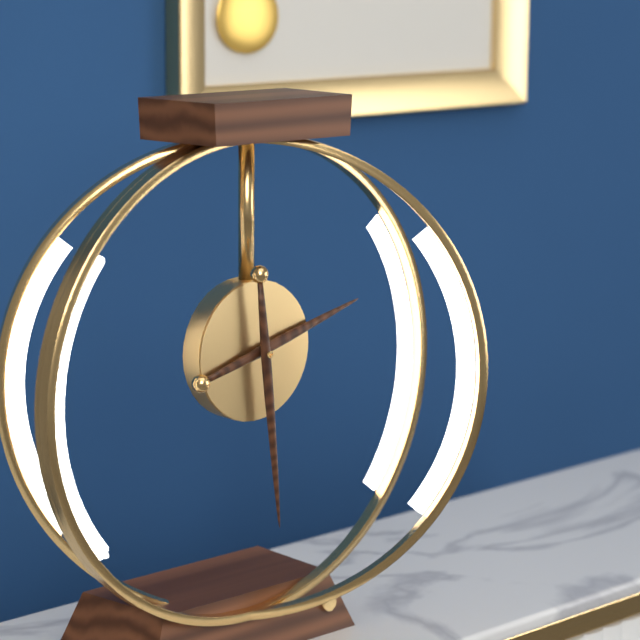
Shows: 2:29
